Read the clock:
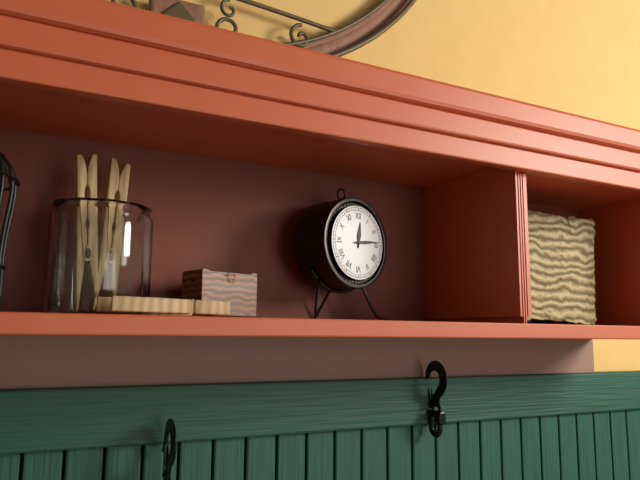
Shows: 12:14
